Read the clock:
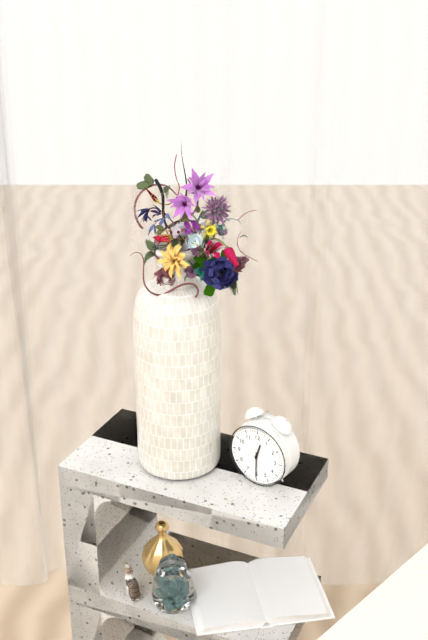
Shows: 12:30
